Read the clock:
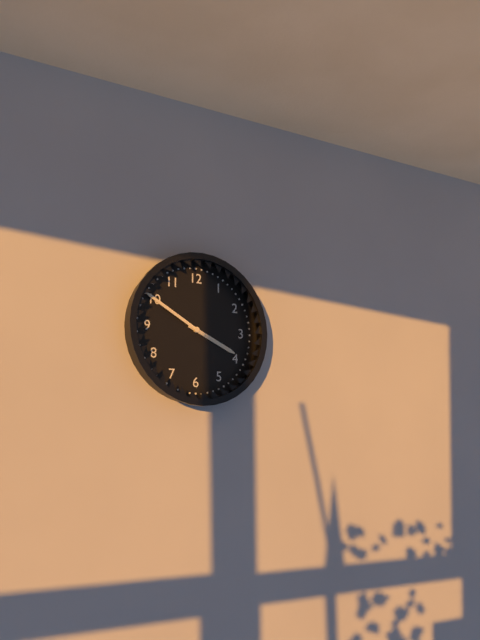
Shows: 3:50
